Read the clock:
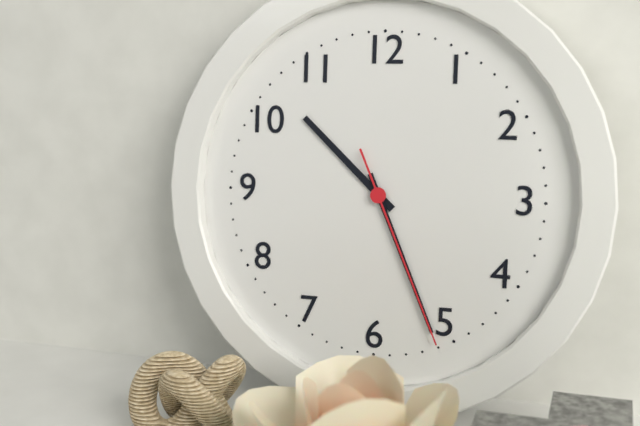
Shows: 10:26:26
